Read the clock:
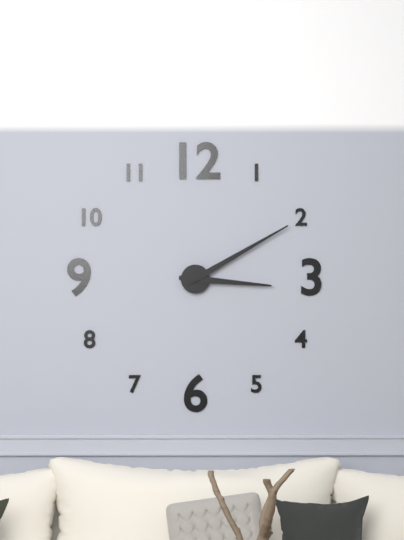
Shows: 3:10
